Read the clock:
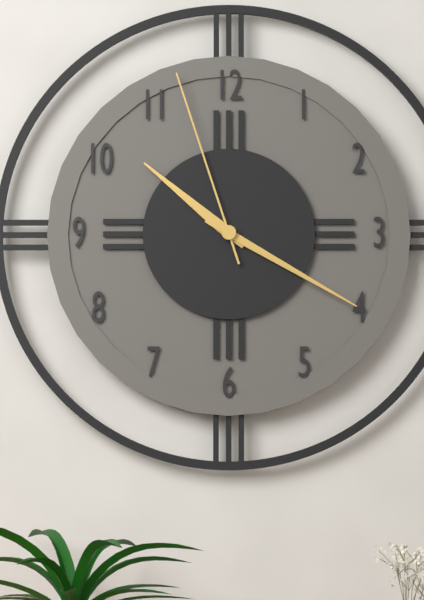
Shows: 10:20:57
